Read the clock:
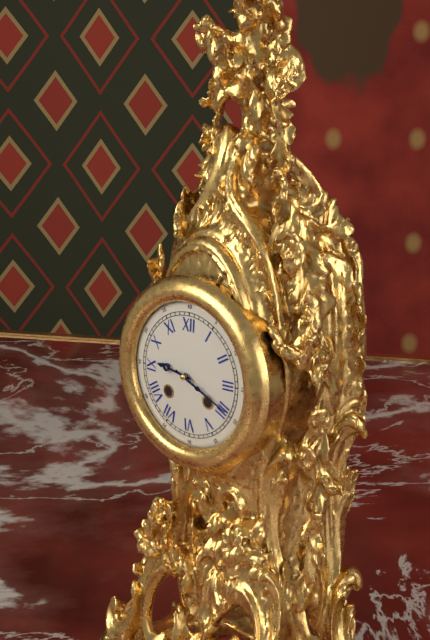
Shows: 9:19
